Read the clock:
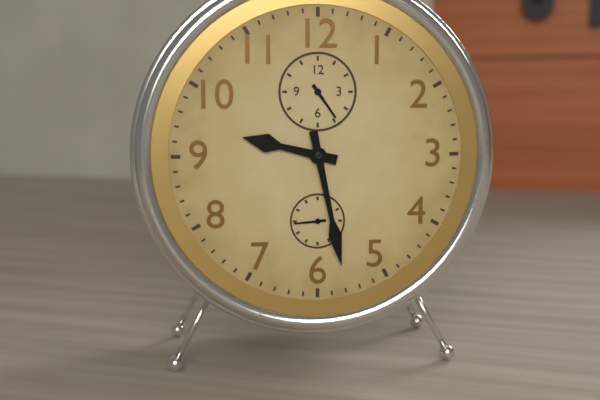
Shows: 9:28
